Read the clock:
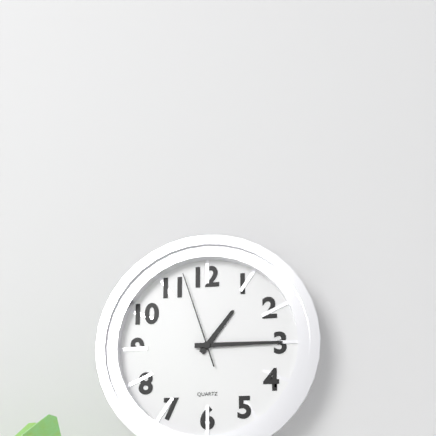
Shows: 1:15:57
